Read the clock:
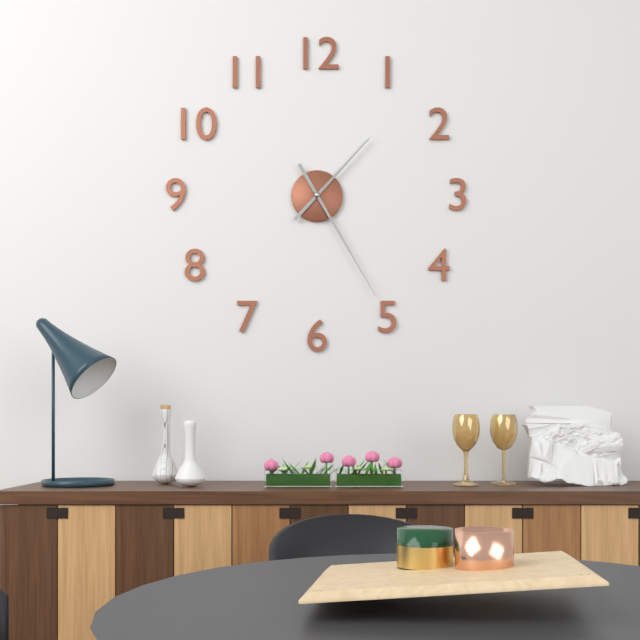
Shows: 1:25
